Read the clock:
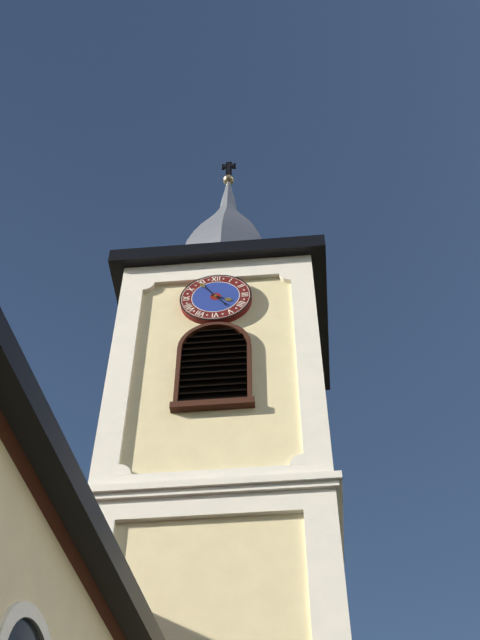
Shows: 3:54
